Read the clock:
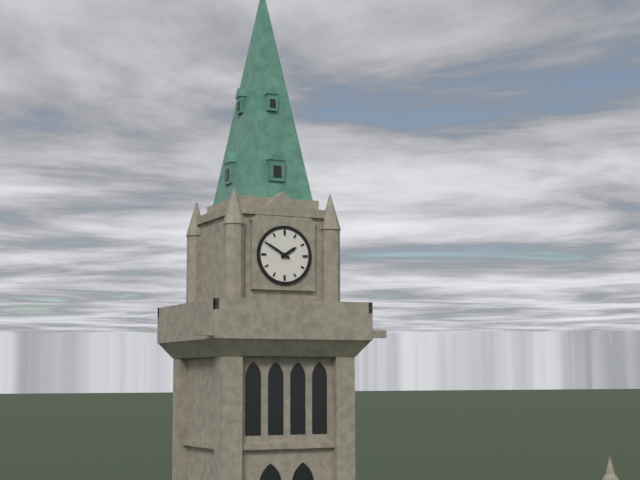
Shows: 1:50
